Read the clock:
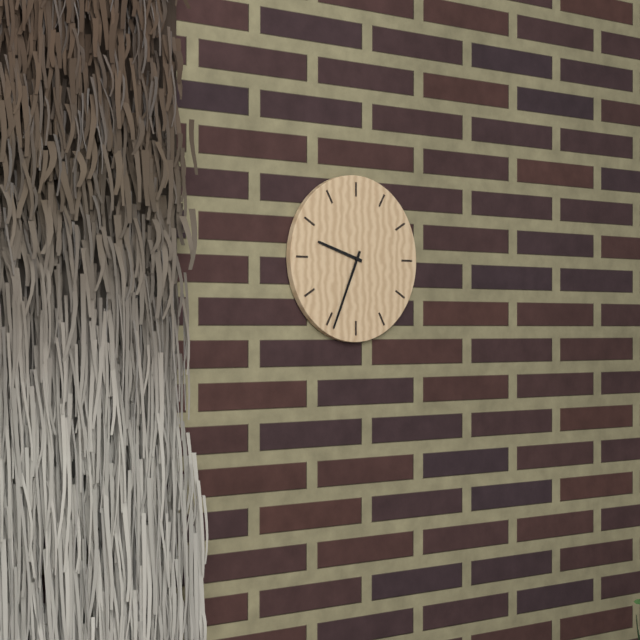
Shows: 9:34
